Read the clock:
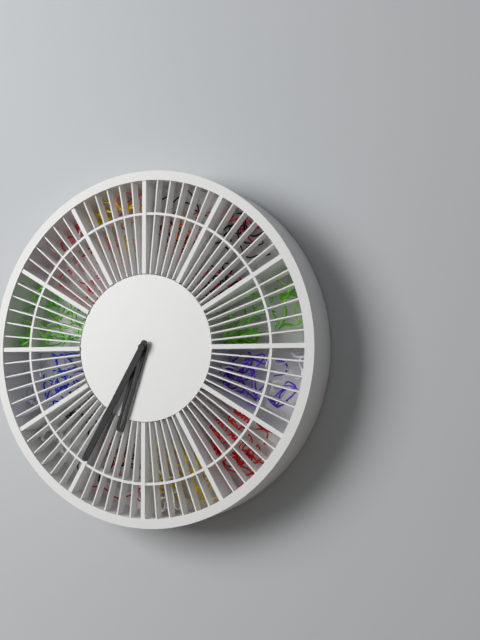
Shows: 6:35
